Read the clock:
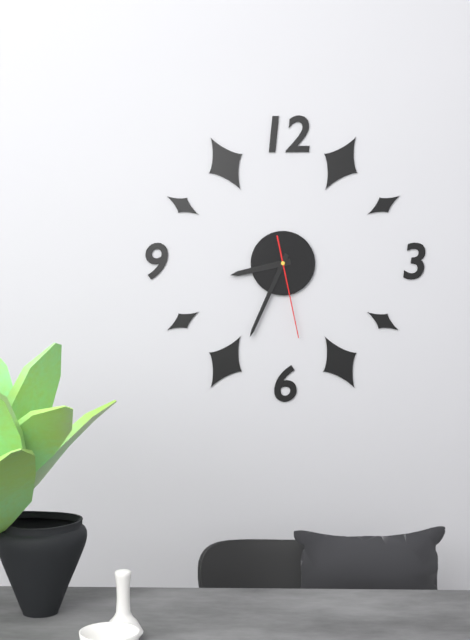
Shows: 8:34:28
